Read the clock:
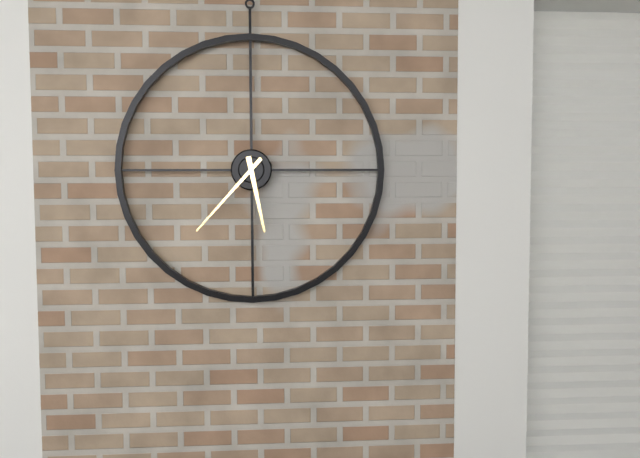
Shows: 5:37
